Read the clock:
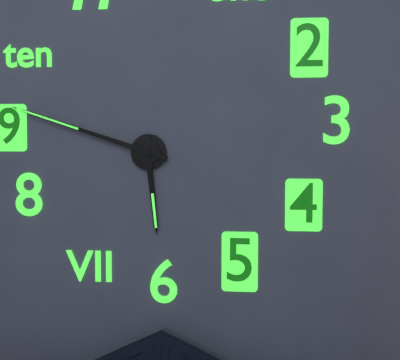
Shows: 5:48
